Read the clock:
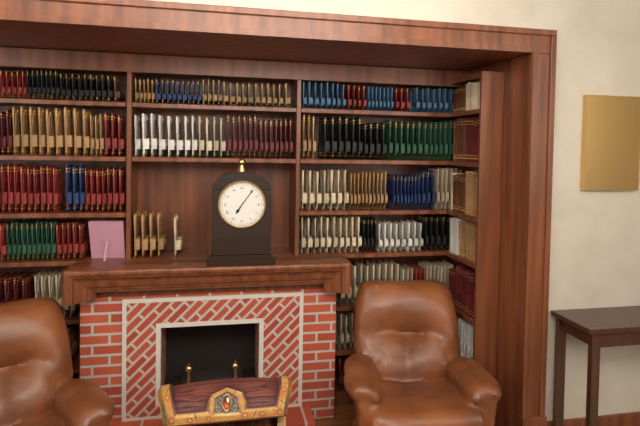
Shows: 7:06
